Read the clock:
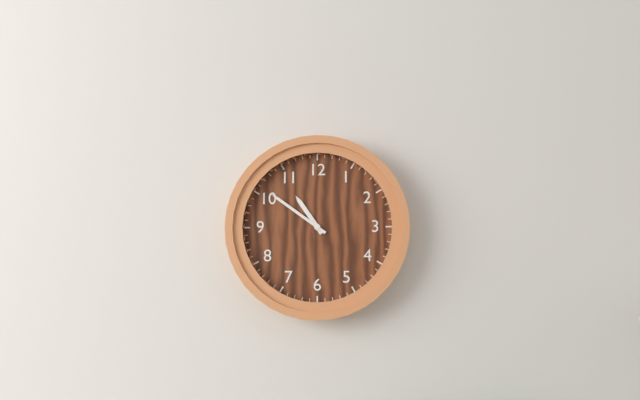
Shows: 10:51
